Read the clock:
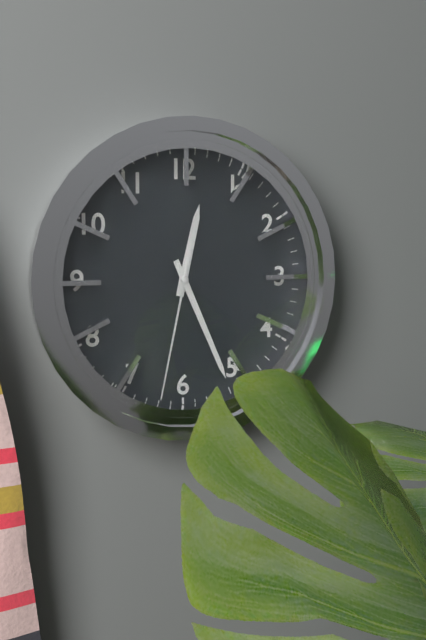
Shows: 12:26:32
